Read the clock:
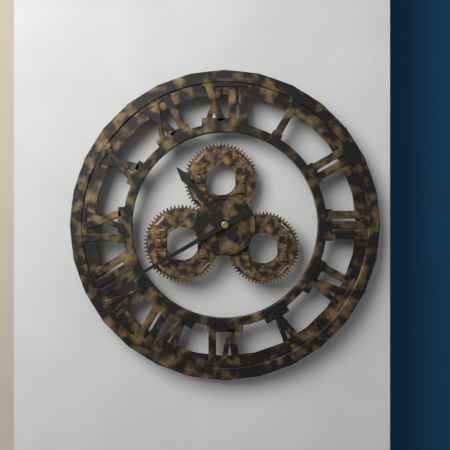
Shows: 10:40
